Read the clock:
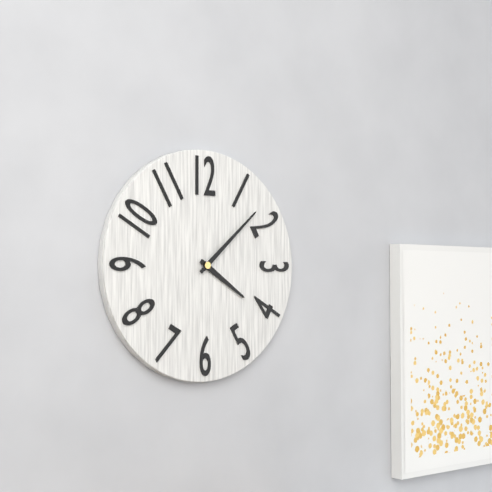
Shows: 4:08
